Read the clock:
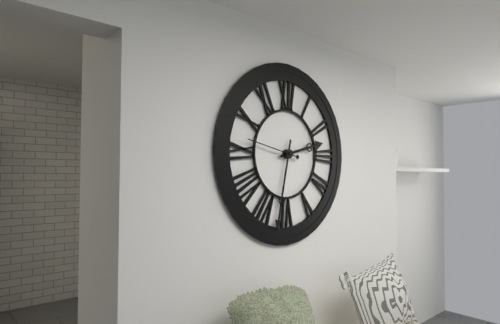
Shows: 2:32:47
